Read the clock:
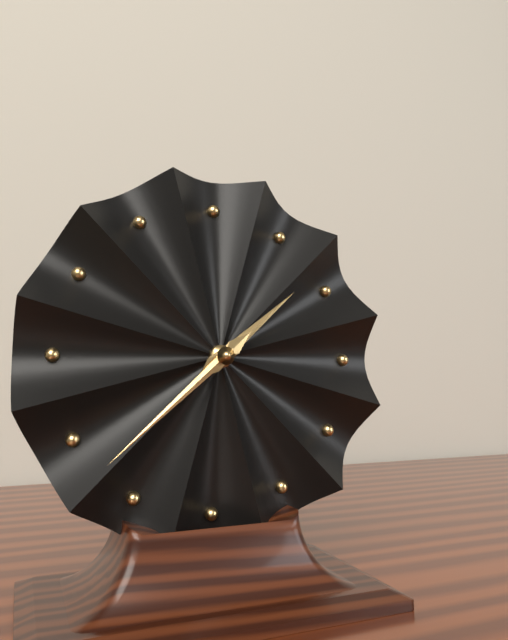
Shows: 1:38
